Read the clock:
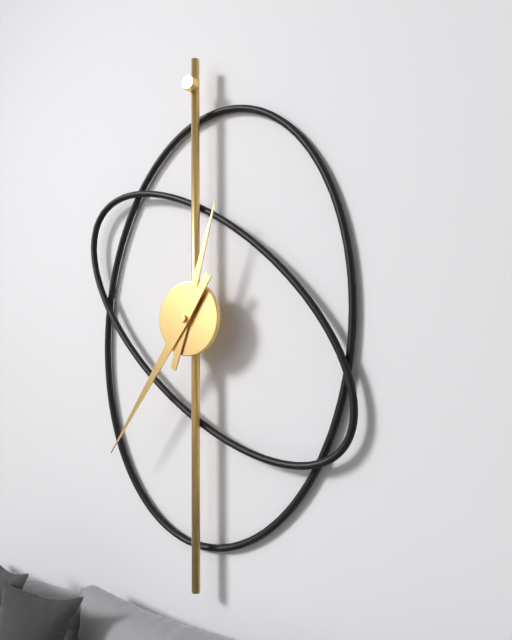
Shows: 12:36
